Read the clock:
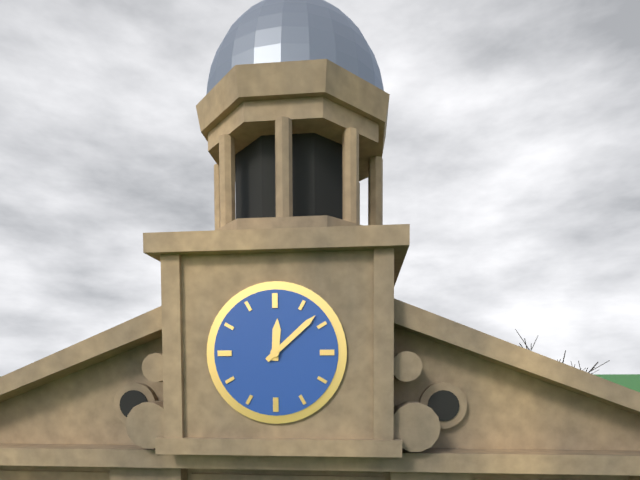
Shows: 12:08
